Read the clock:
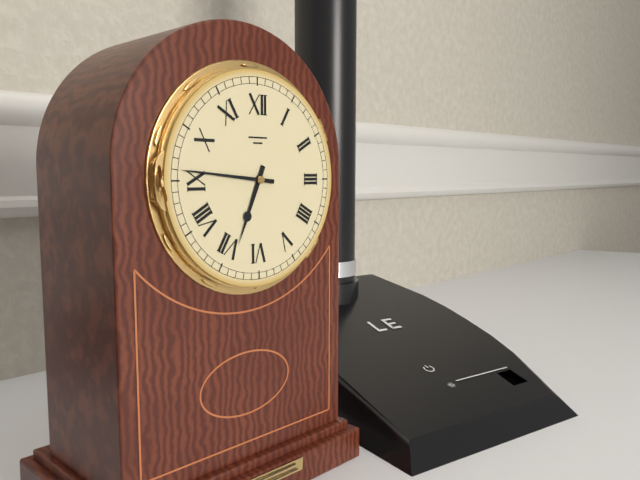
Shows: 6:46
